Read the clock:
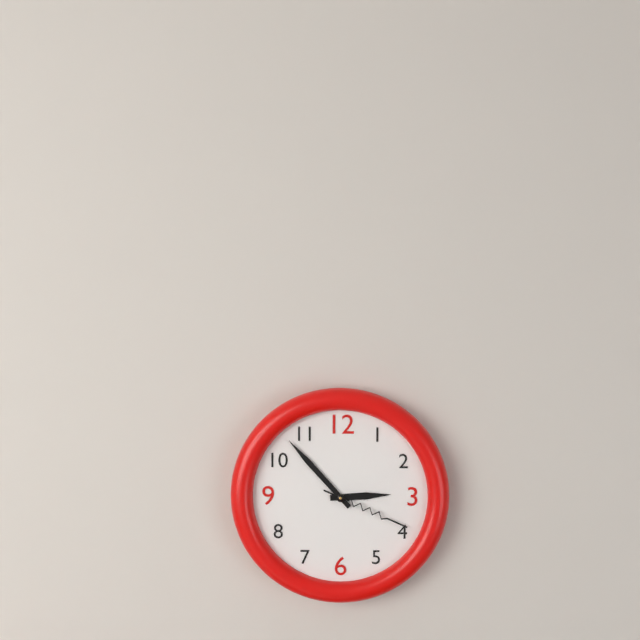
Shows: 2:53:19
